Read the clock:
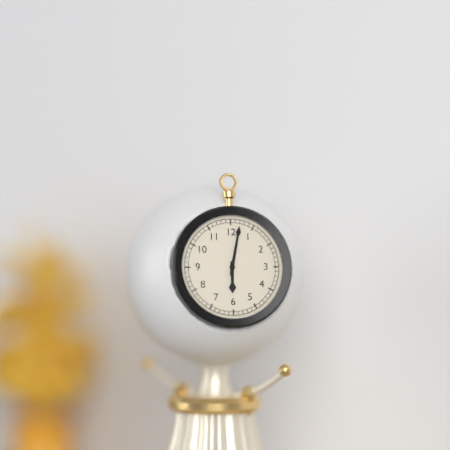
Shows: 6:02
